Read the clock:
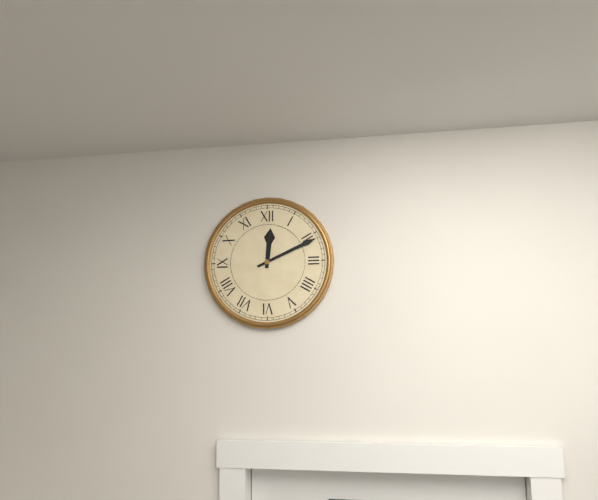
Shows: 12:11
